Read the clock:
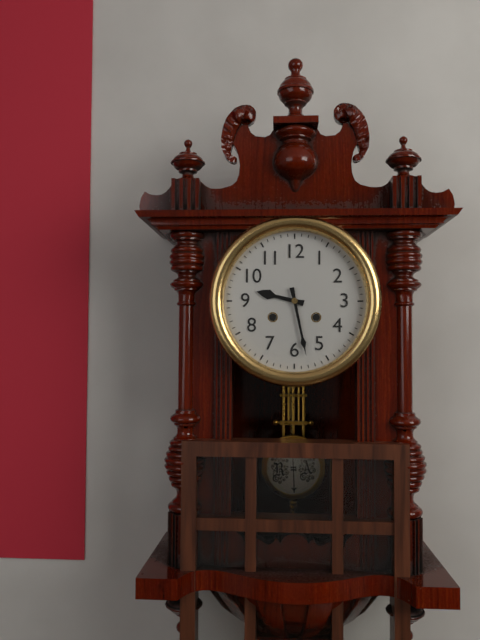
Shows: 9:28
